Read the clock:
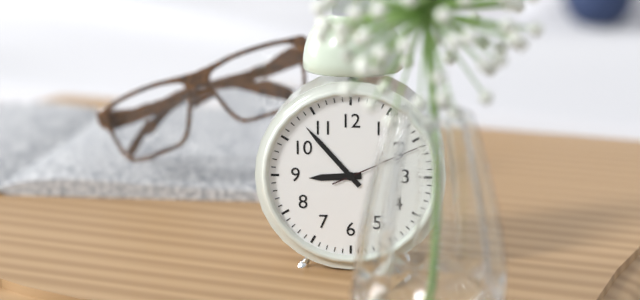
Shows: 8:53:11
